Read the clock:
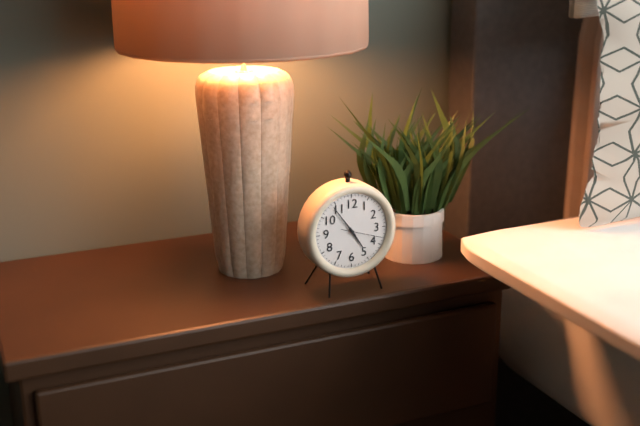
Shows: 4:54
